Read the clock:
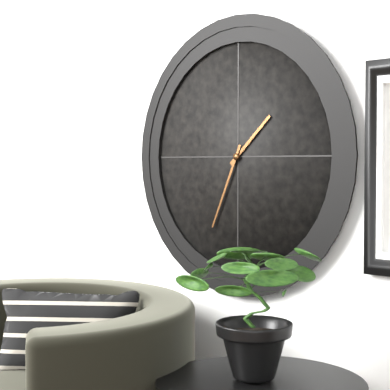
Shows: 1:34
